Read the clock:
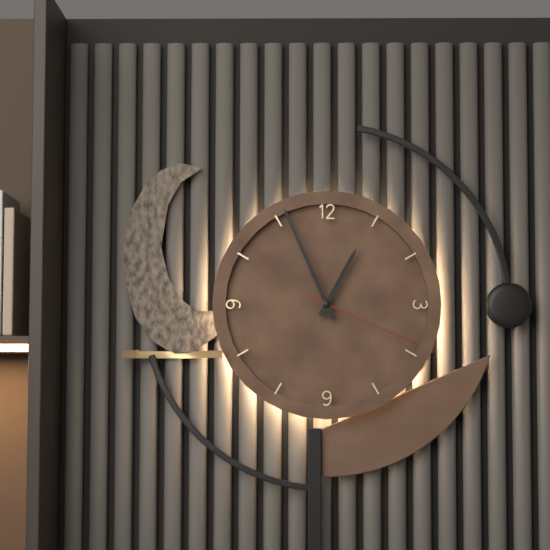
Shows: 12:56:19
